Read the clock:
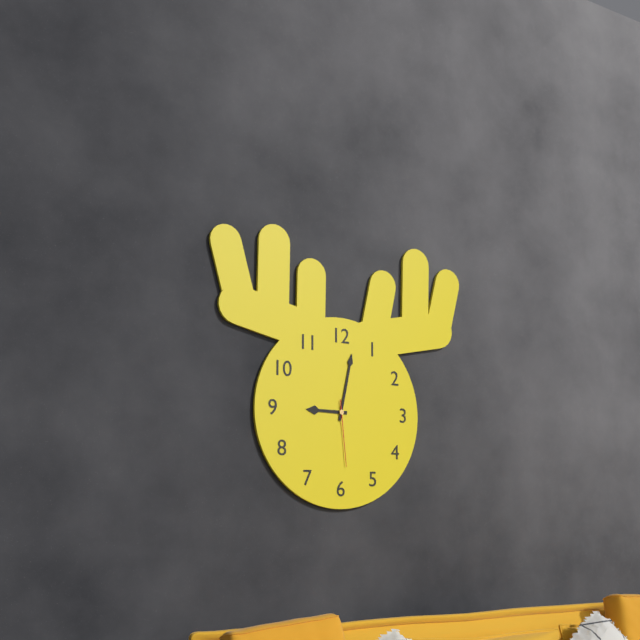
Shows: 9:02:29
